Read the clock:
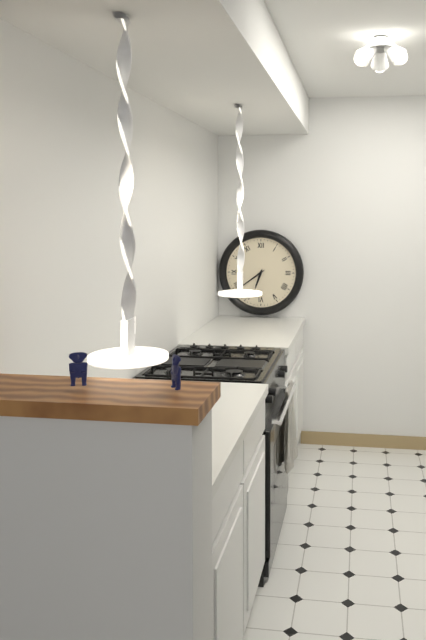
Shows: 6:39
